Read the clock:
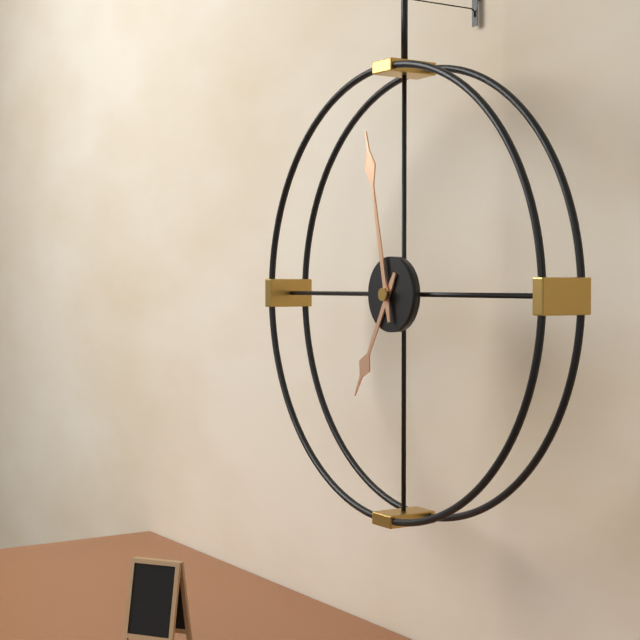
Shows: 6:58
